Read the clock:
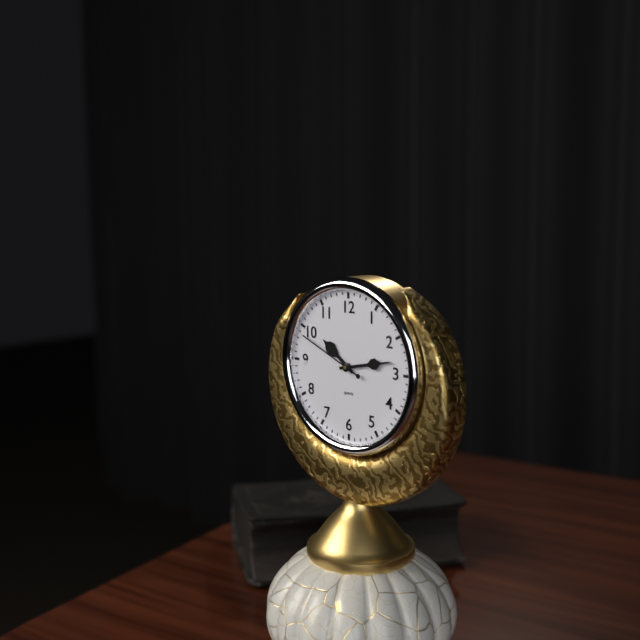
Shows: 10:13:49
